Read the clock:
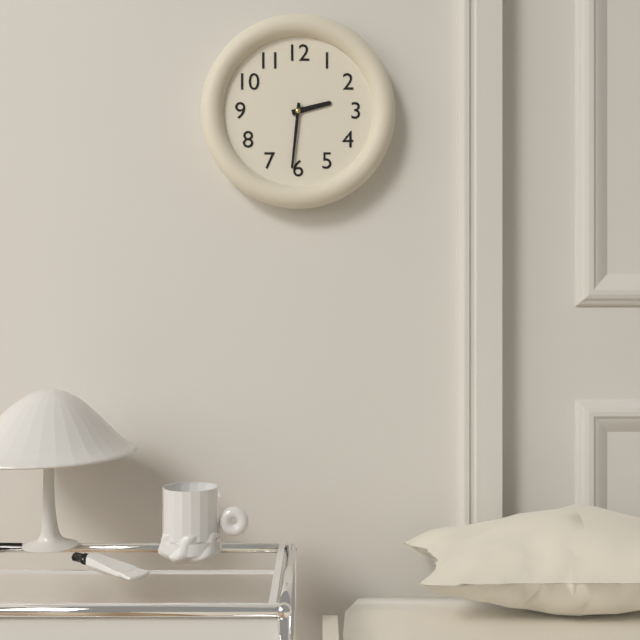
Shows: 2:31
